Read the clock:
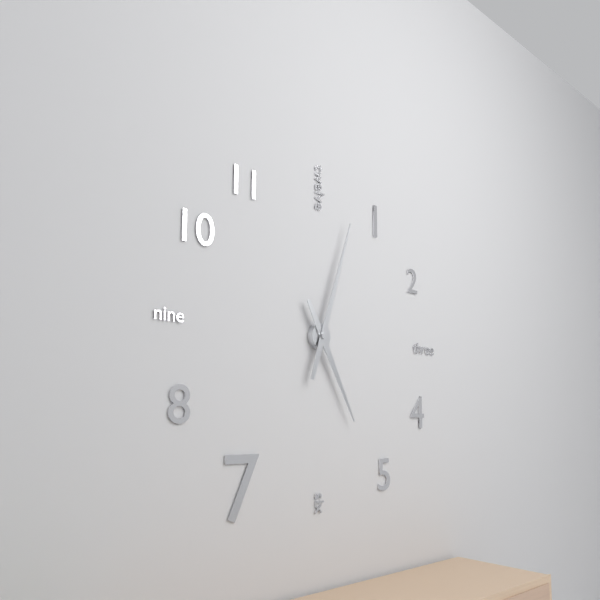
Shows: 5:03
